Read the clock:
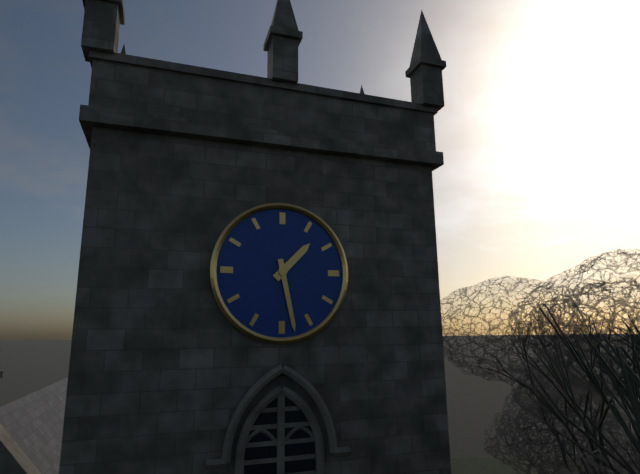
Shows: 1:28
